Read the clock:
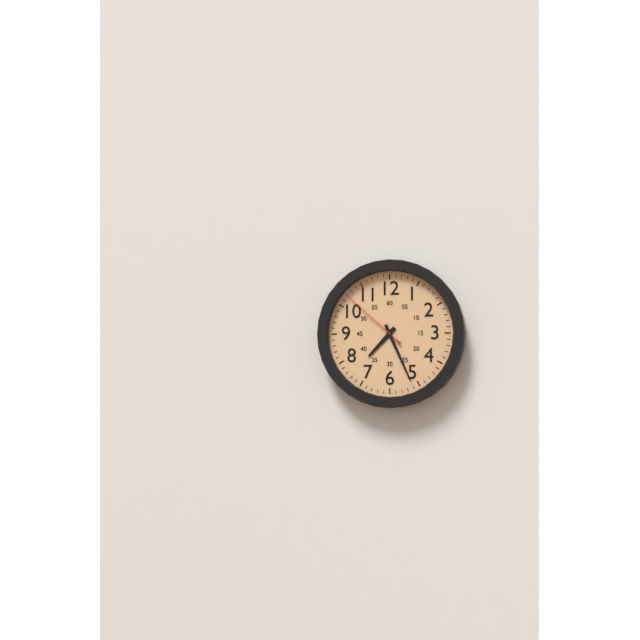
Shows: 7:26:52
